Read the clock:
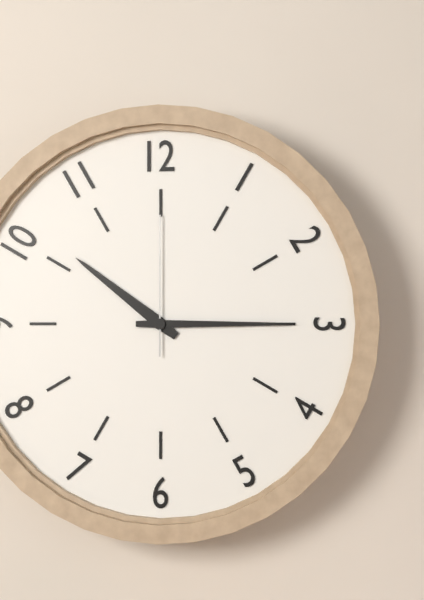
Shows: 10:15:00
